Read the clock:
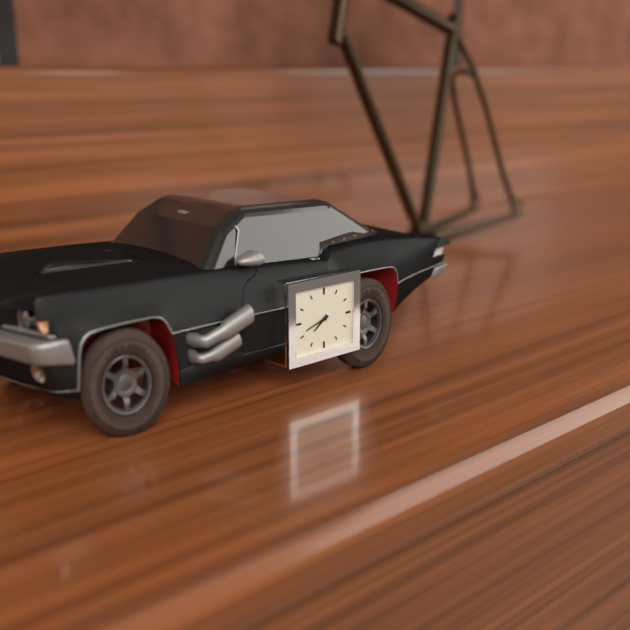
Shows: 7:42
